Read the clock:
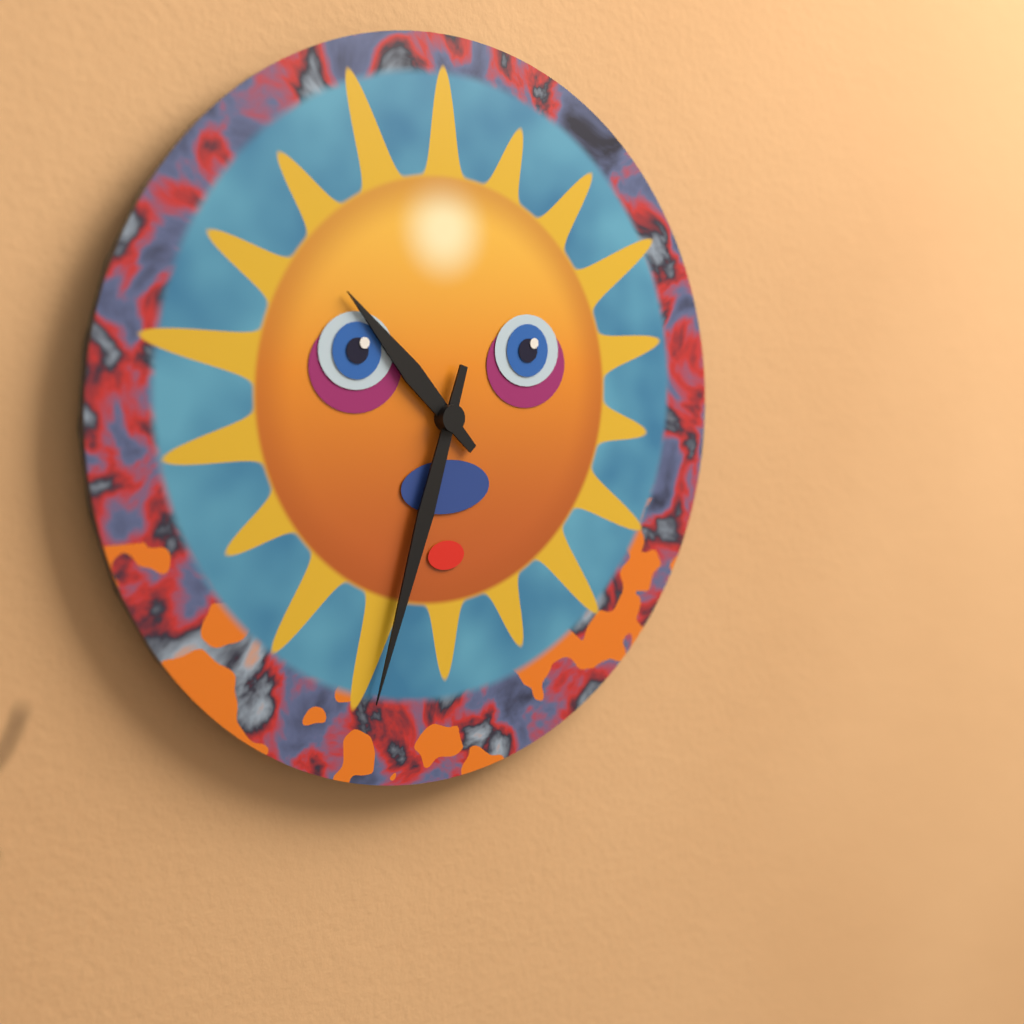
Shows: 10:33
